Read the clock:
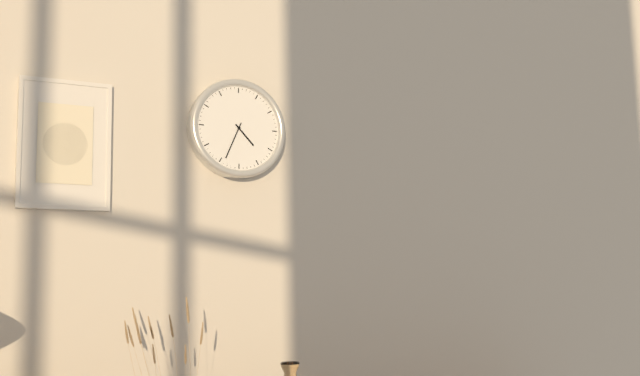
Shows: 4:34
